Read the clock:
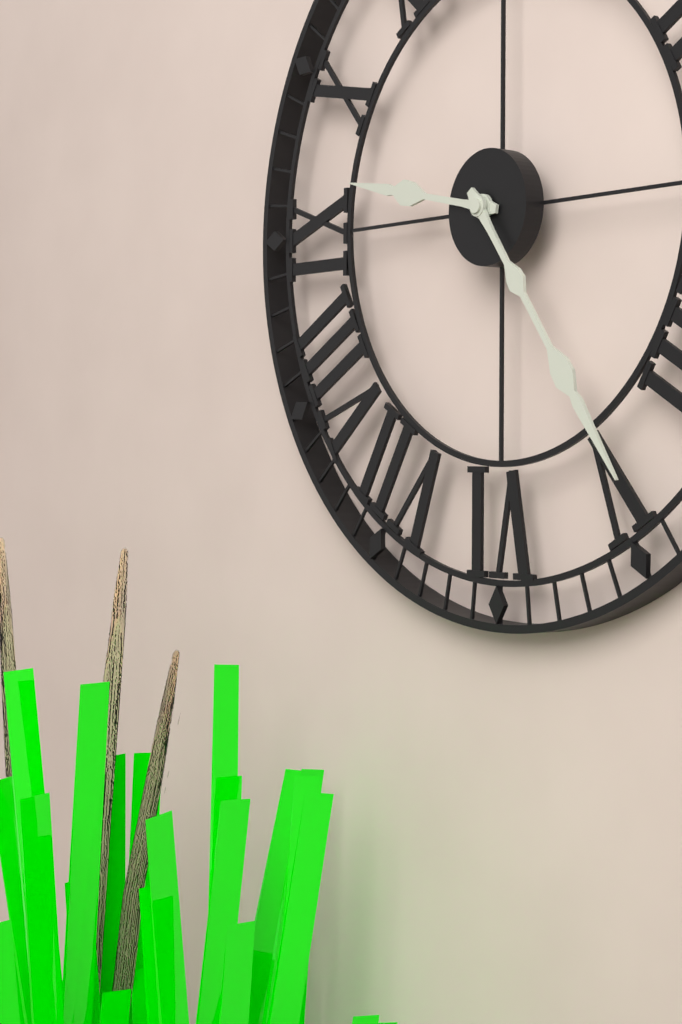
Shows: 9:24
